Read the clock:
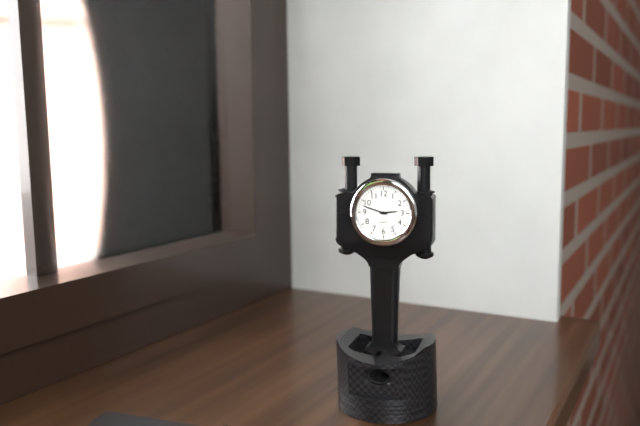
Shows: 2:48
